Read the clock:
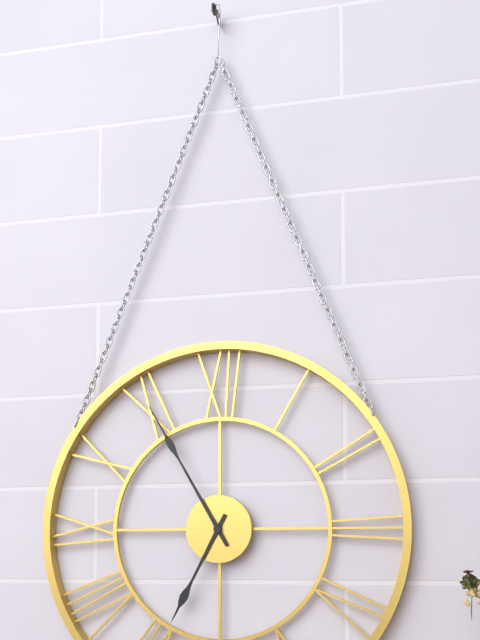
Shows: 6:55
